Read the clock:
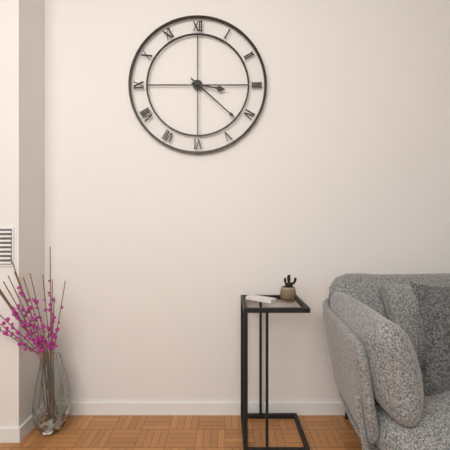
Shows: 3:22
